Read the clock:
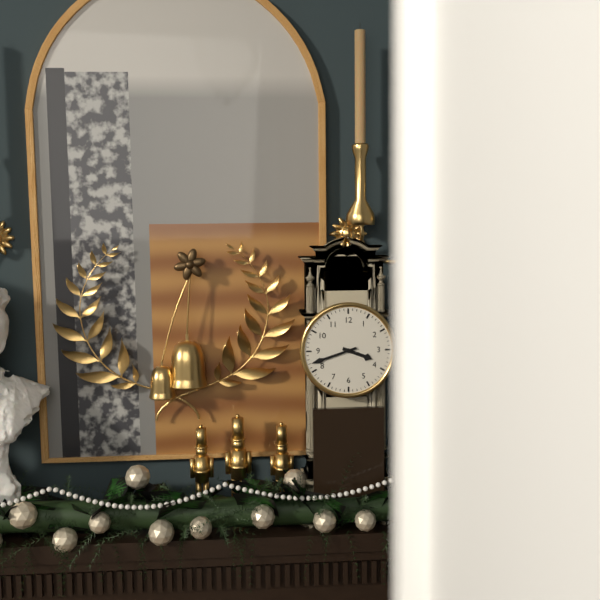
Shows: 3:42
